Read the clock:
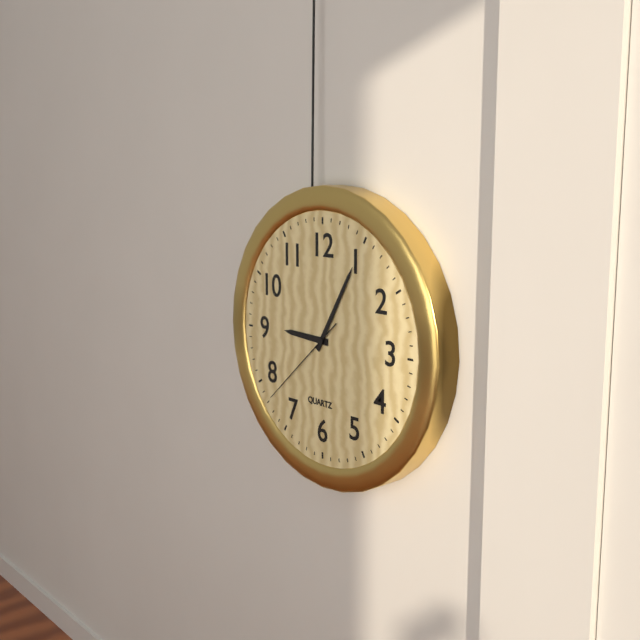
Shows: 9:05:38
